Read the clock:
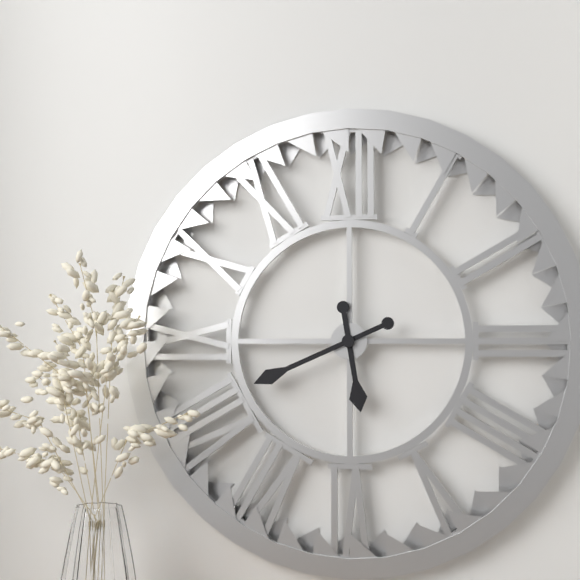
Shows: 5:41
